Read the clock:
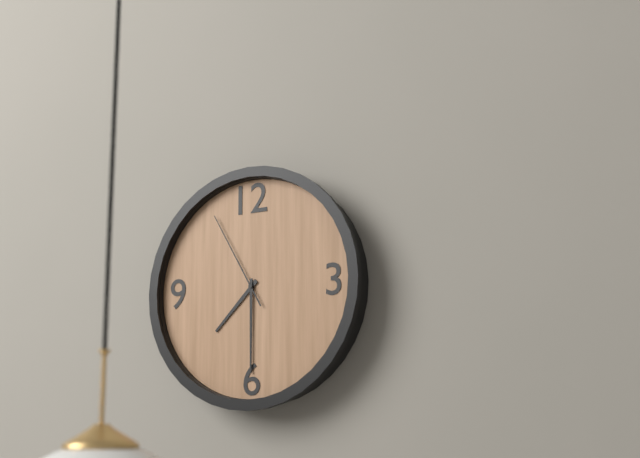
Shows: 7:30:55
